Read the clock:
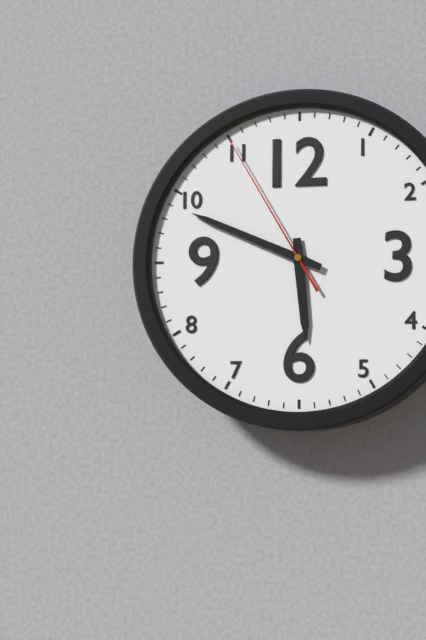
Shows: 5:49:55
